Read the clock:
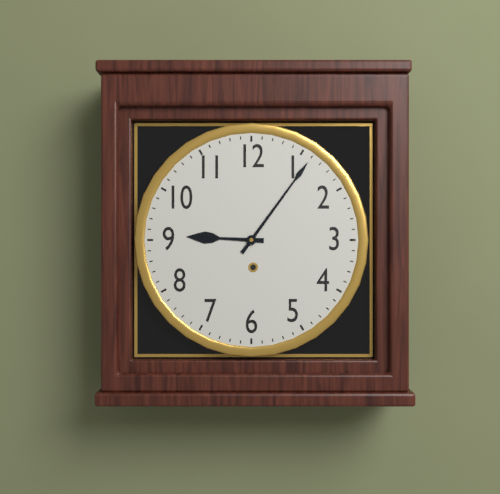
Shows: 9:06
